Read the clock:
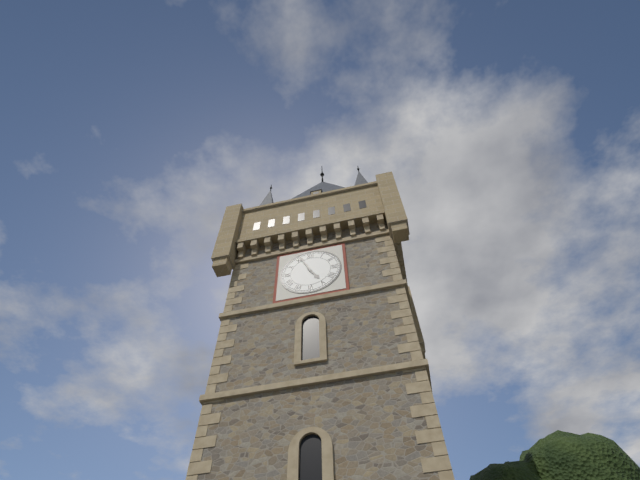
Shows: 4:56
